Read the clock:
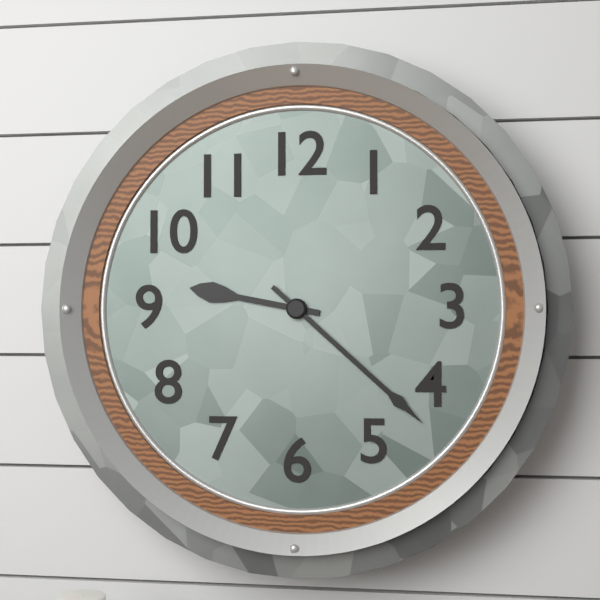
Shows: 9:22
